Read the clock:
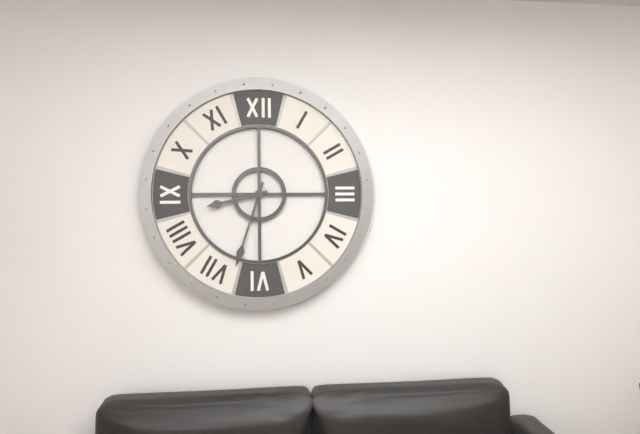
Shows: 8:33
